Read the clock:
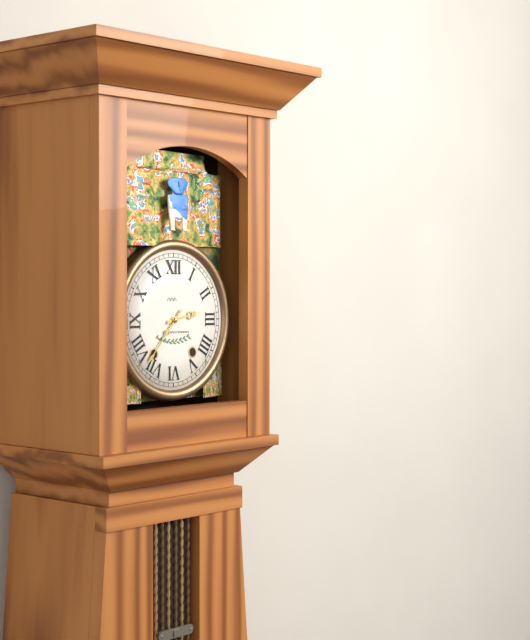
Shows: 2:37
